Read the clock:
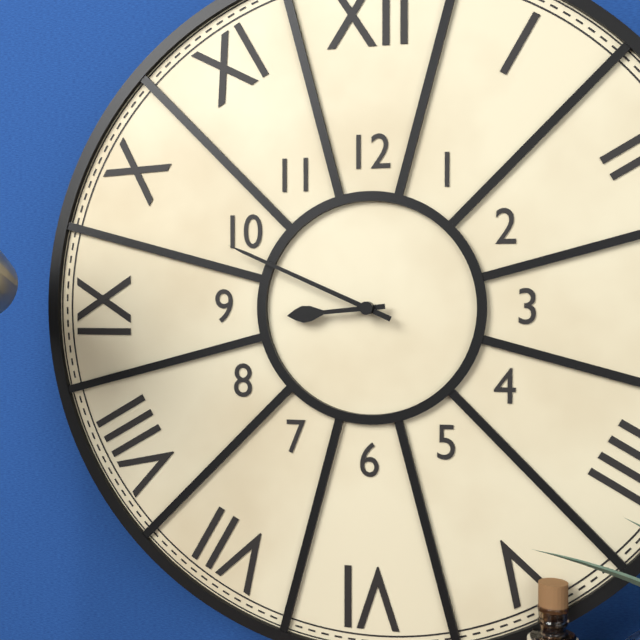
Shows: 8:49
